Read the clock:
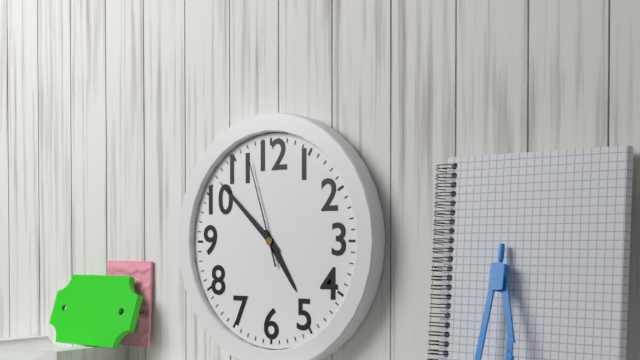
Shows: 4:52:57
